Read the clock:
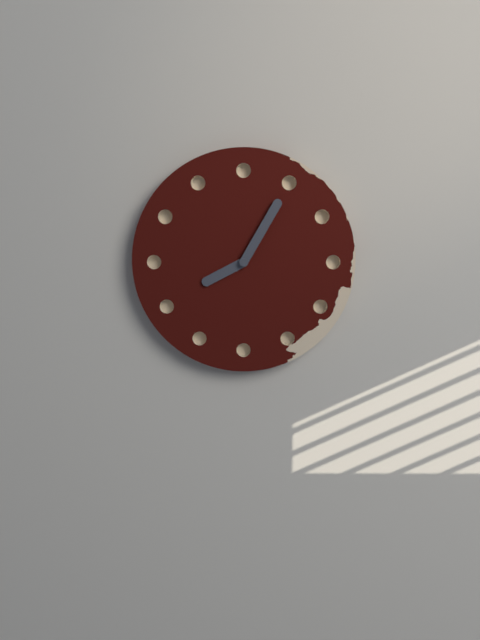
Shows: 8:05
